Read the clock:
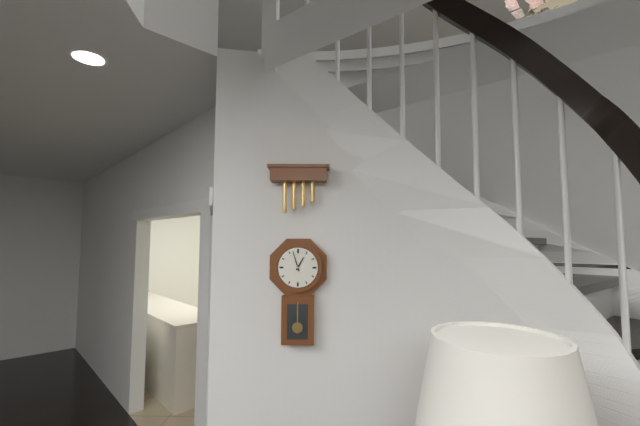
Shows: 12:57
